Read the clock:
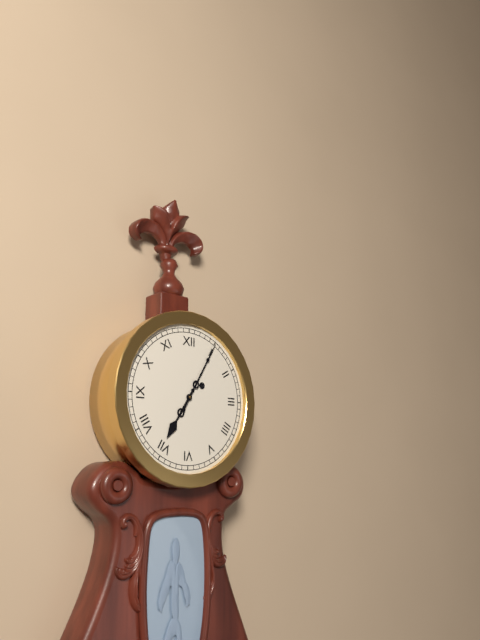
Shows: 7:05
